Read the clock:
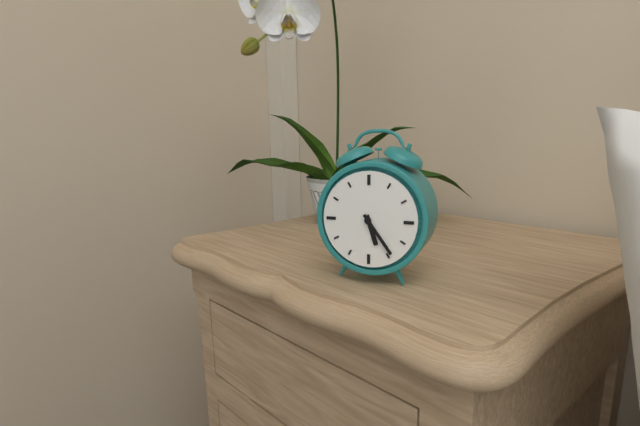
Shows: 5:24
